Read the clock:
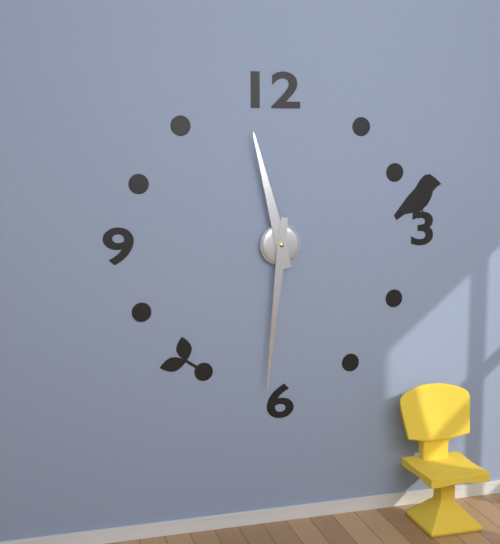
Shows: 11:31
